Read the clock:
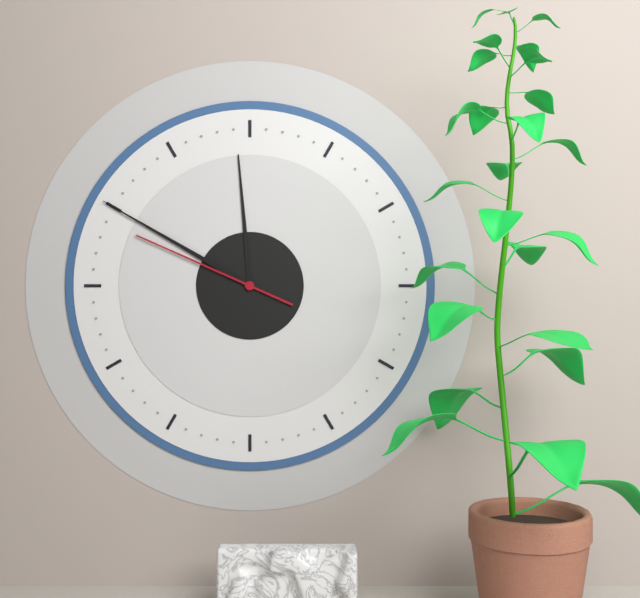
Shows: 11:50:49
